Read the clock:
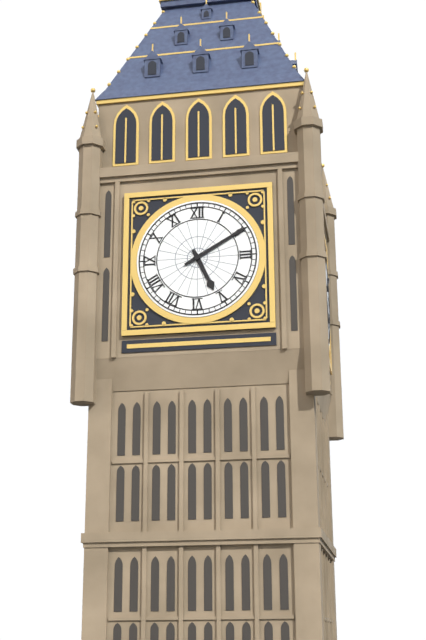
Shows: 5:10
